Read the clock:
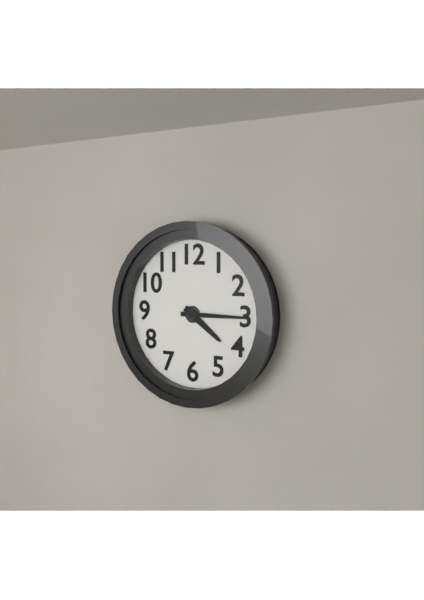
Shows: 4:15
